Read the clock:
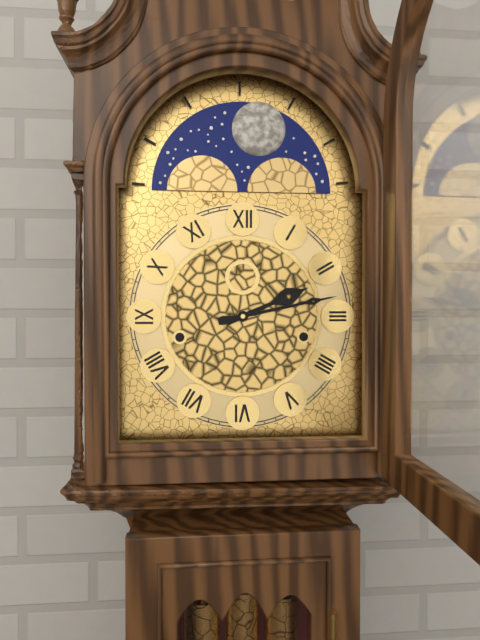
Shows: 2:13
